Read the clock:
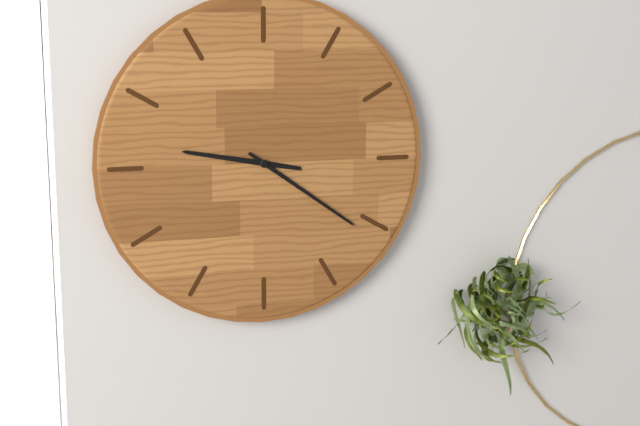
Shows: 9:21
